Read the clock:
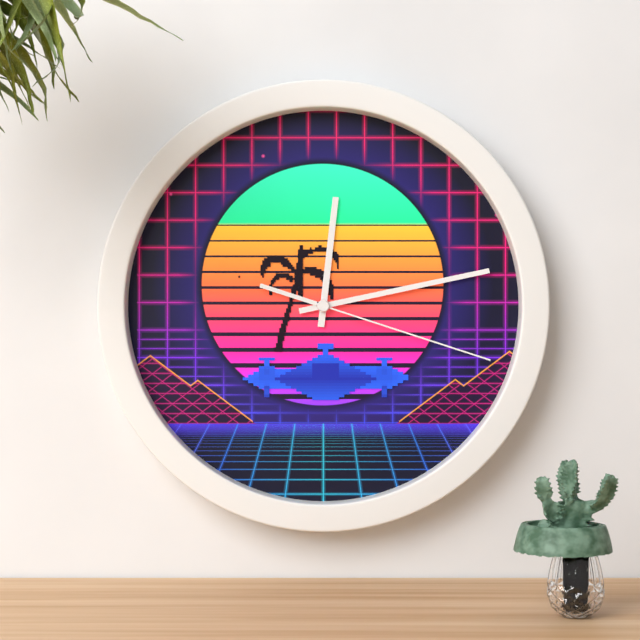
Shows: 12:13:18
